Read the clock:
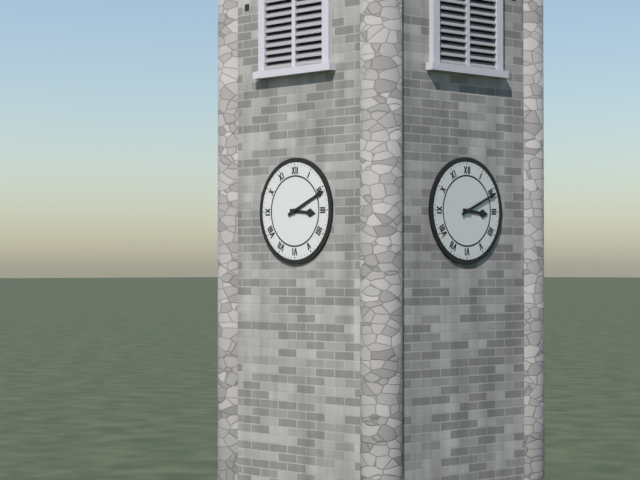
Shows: 3:11
